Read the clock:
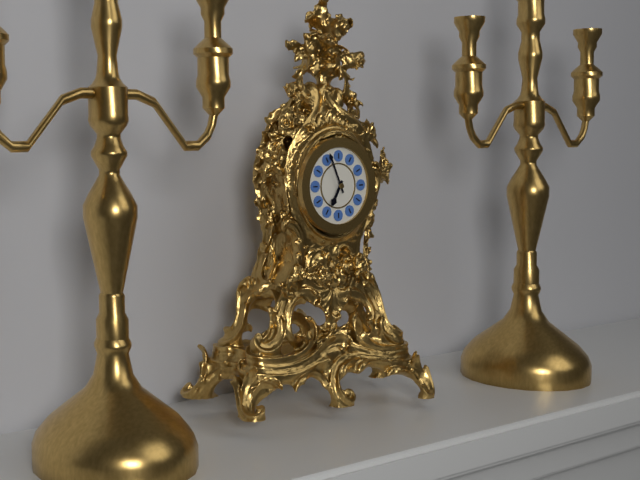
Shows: 6:56
